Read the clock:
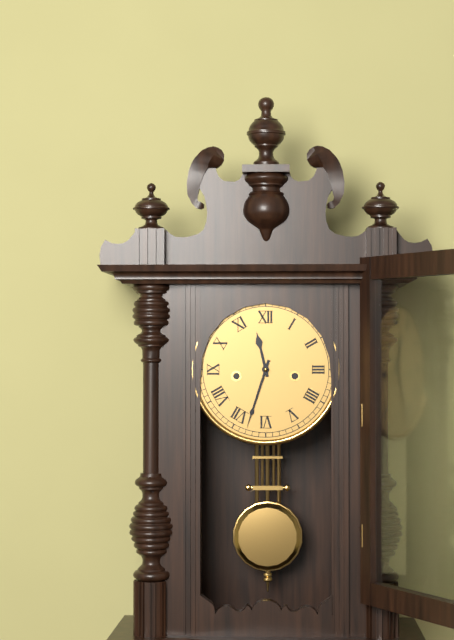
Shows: 11:33
